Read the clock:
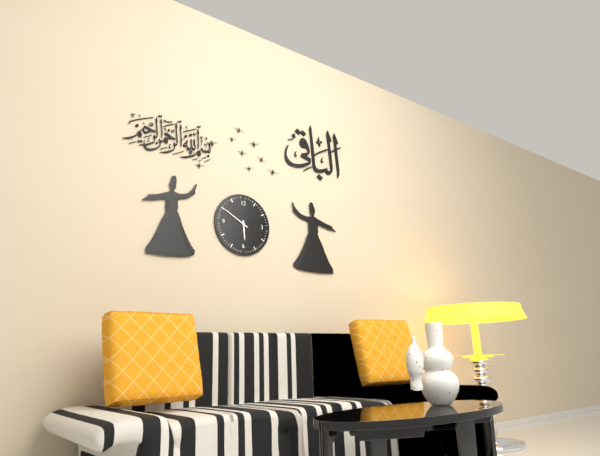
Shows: 5:50
